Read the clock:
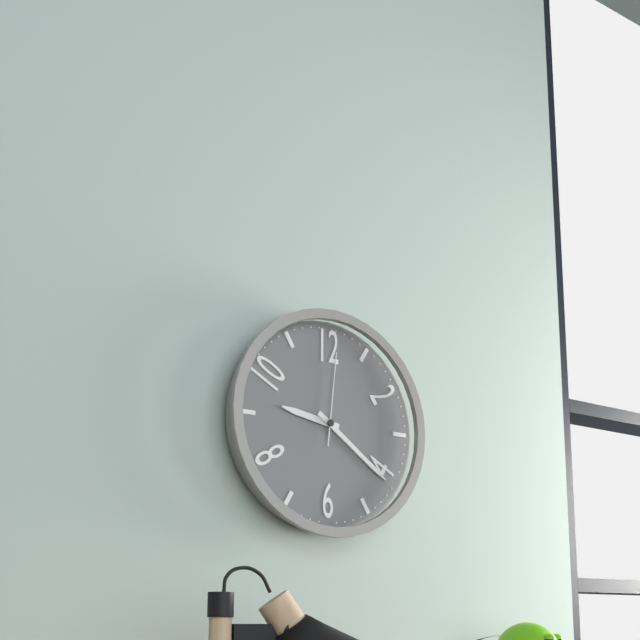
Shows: 9:21:01
